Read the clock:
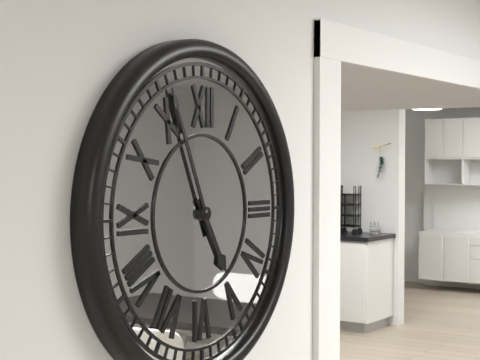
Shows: 4:56
